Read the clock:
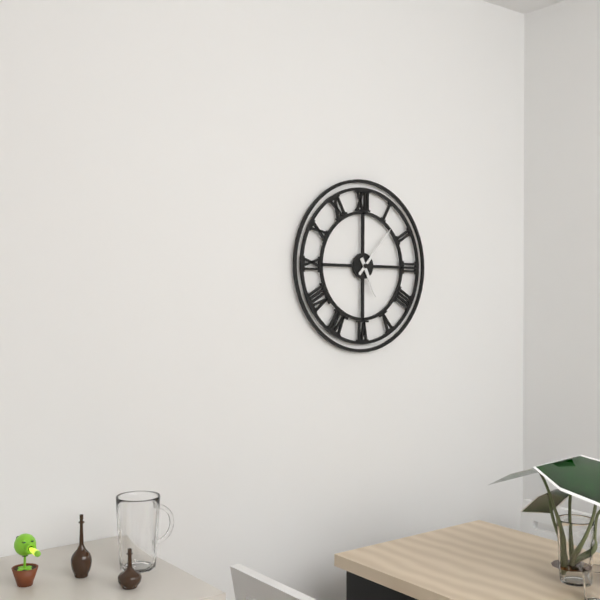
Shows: 5:07
